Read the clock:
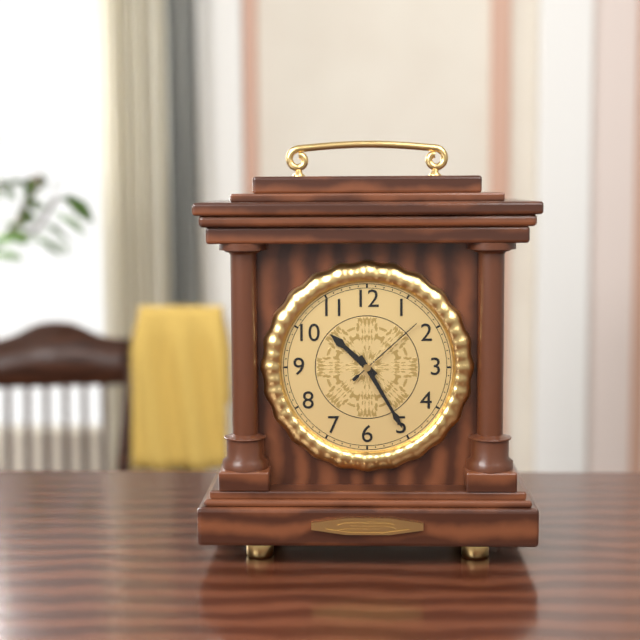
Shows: 10:25:08
